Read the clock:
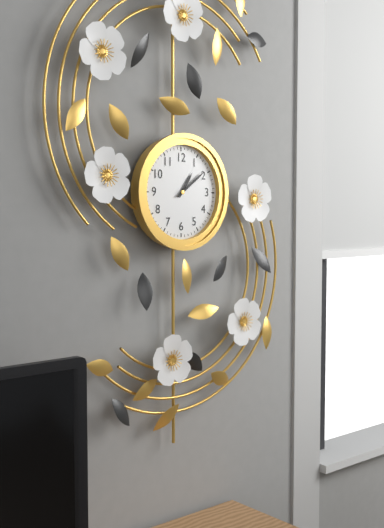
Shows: 1:09
